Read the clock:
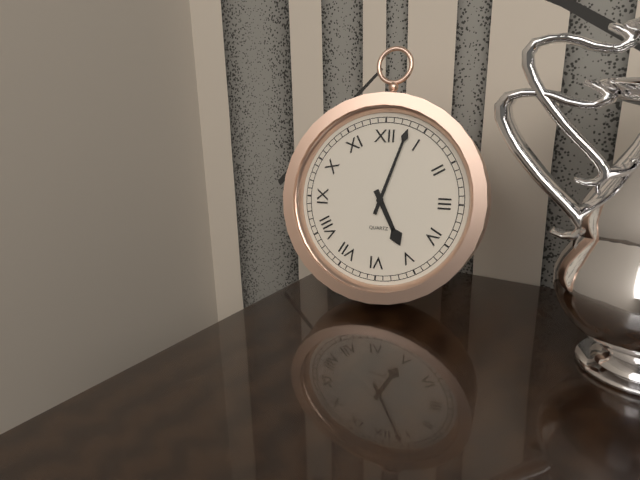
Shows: 5:03
